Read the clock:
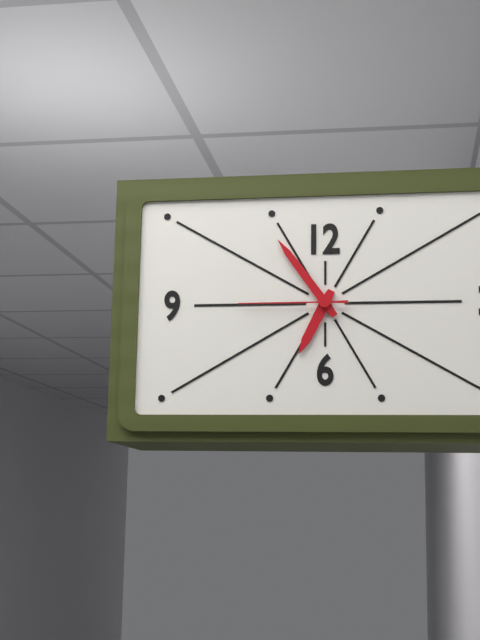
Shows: 6:54:45
